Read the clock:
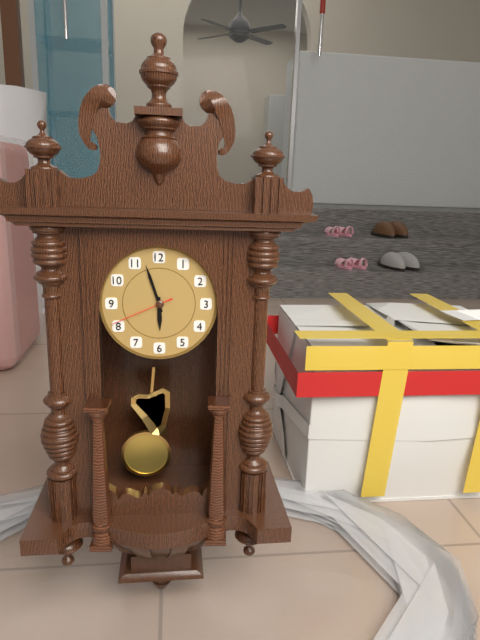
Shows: 5:57:41
